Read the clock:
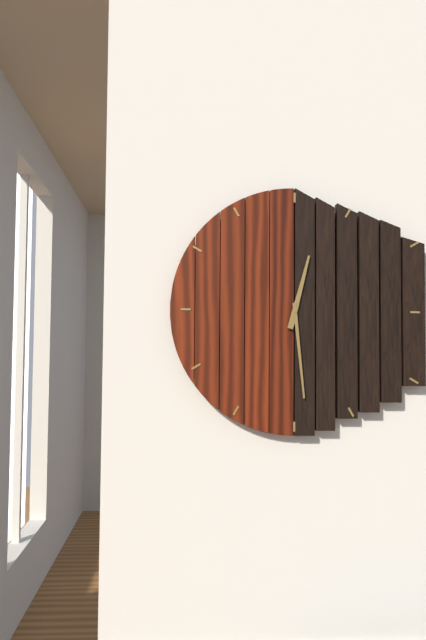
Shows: 12:29
